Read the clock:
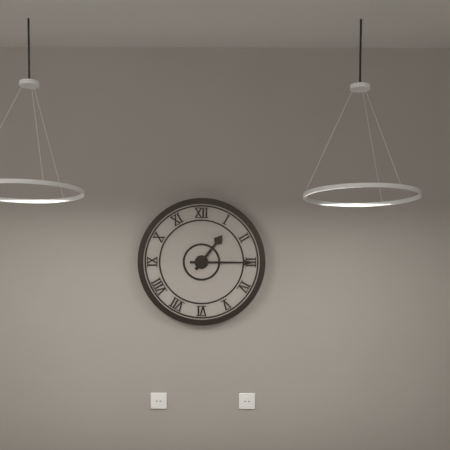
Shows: 1:15
